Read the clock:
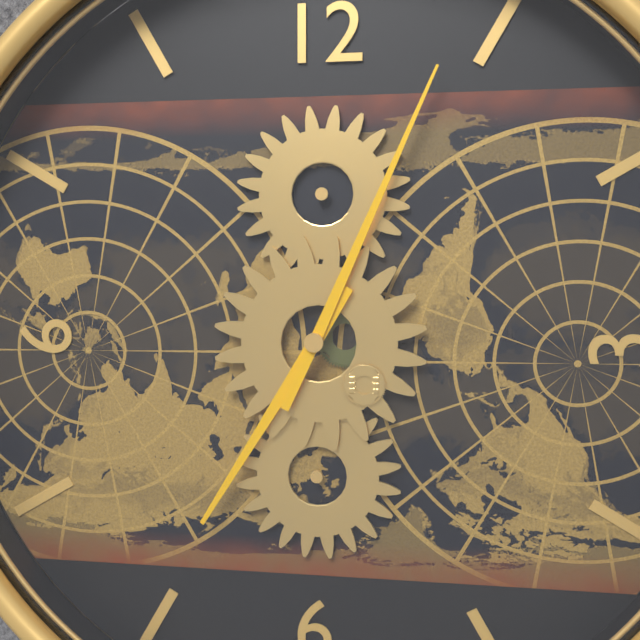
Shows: 7:04
